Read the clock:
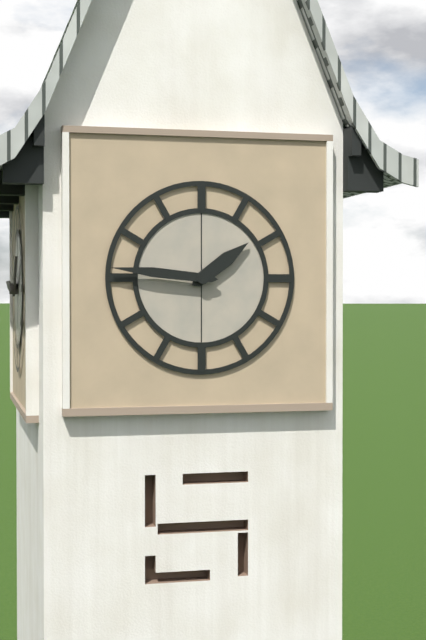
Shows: 1:46
